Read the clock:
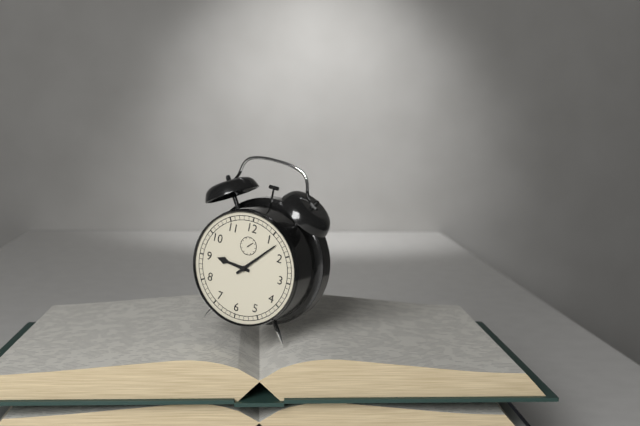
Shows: 9:07
